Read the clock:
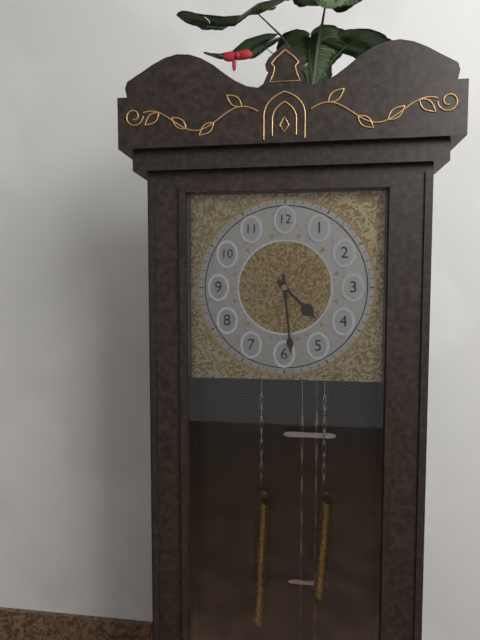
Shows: 4:29
